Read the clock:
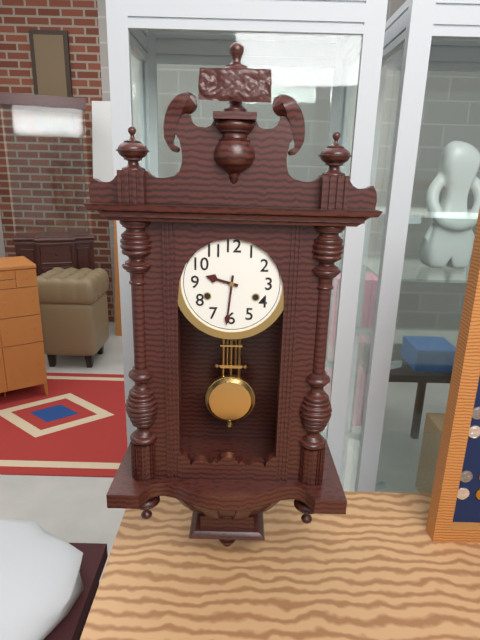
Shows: 9:31
